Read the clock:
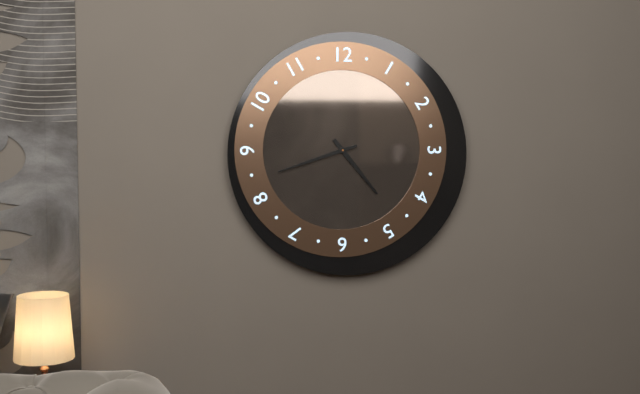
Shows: 4:42
